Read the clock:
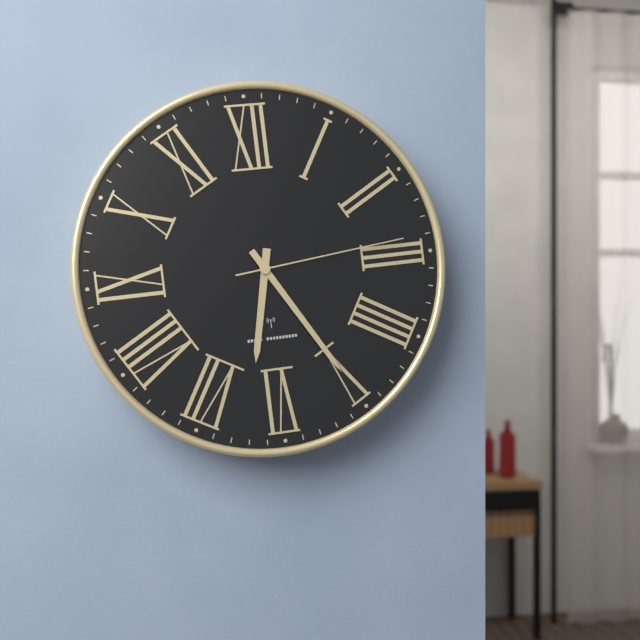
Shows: 6:25:14
